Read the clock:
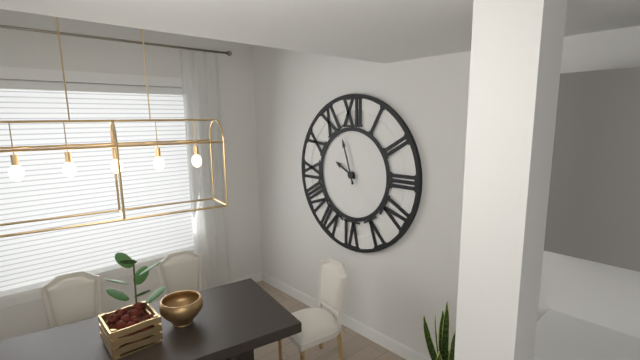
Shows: 9:57
